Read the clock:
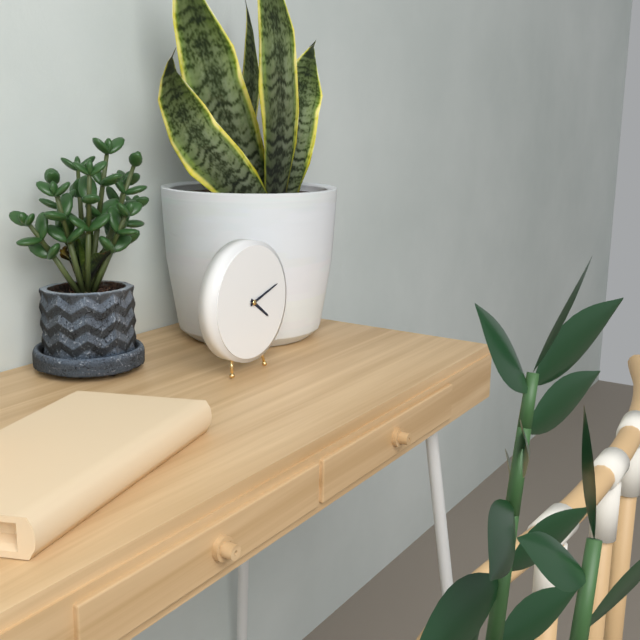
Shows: 4:12
